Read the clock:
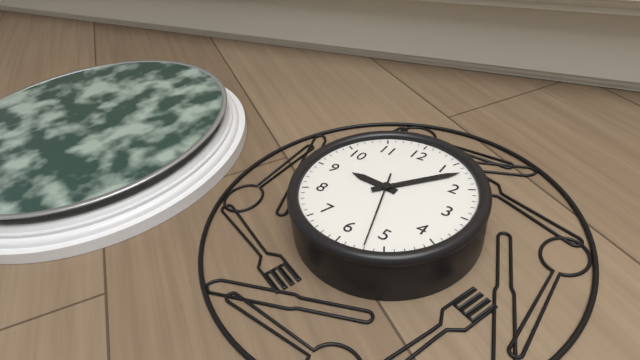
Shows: 9:07:27
